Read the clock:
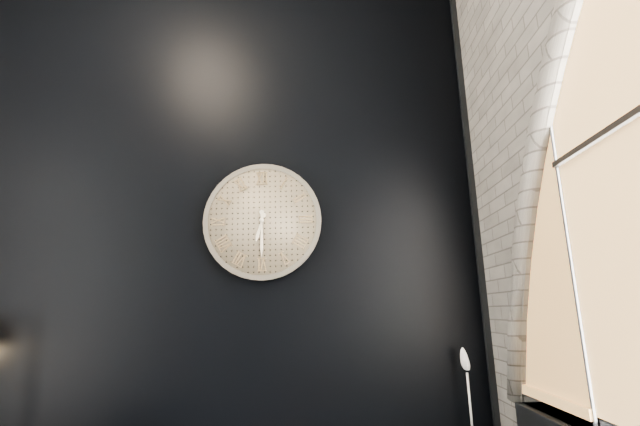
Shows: 6:30
